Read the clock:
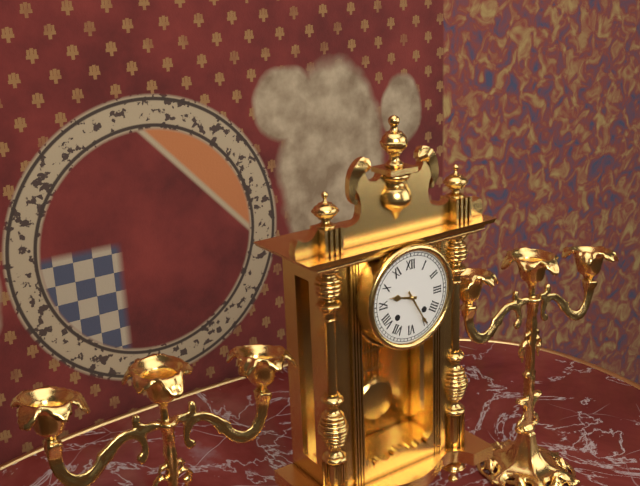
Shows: 9:25
